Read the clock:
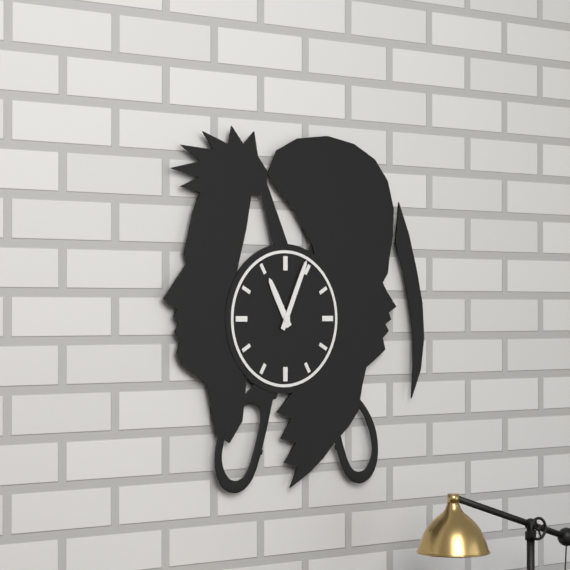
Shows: 11:04
